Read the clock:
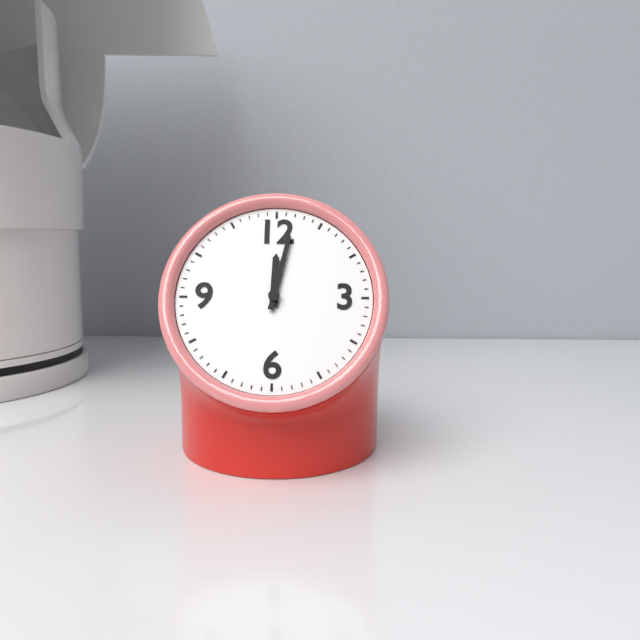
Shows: 12:02
